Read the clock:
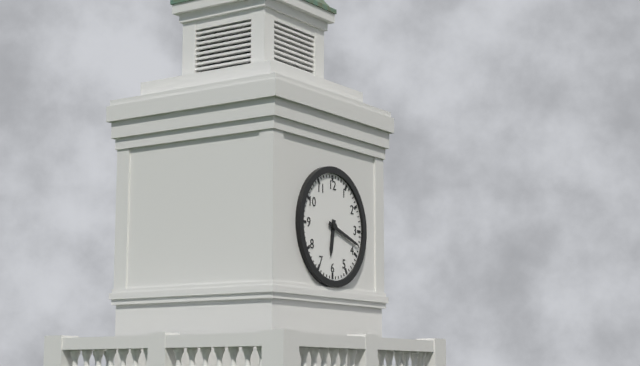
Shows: 6:18
